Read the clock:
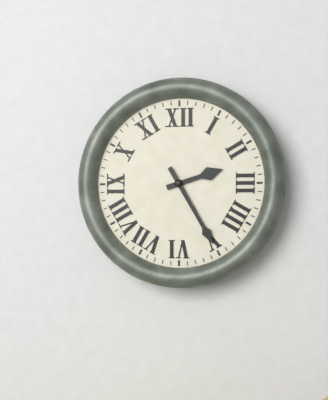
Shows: 2:25
